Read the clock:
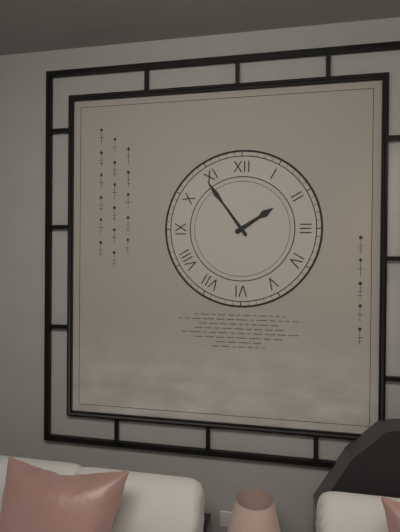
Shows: 1:54
